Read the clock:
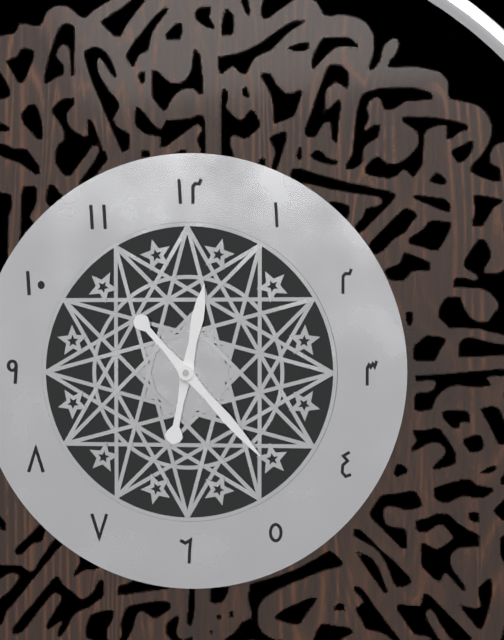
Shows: 12:23
